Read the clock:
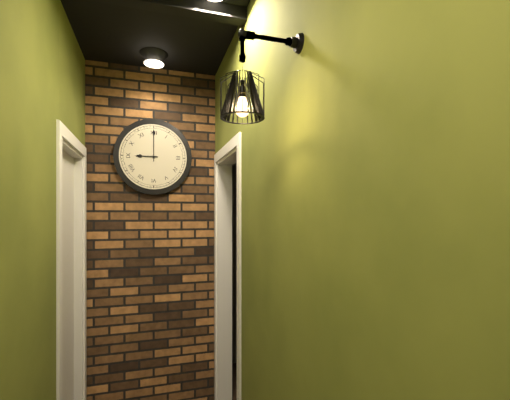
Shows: 9:00
